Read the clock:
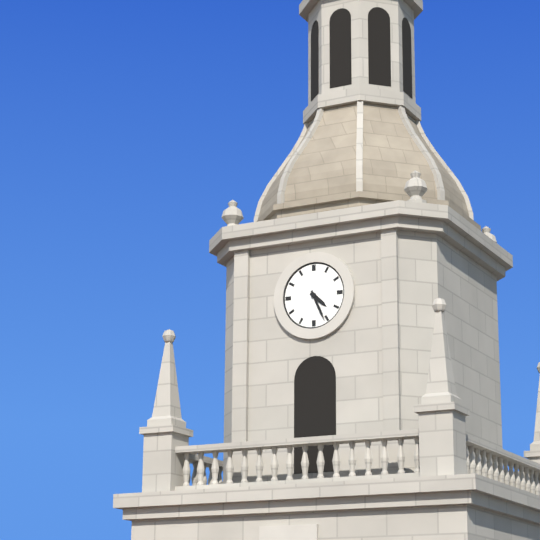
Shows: 4:26
